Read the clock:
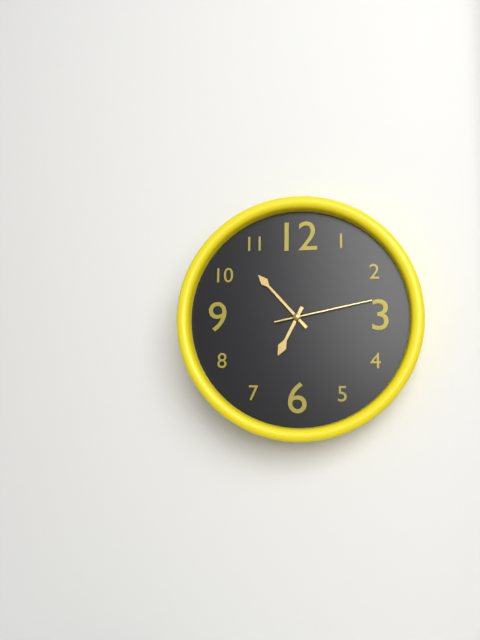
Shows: 6:53:13
